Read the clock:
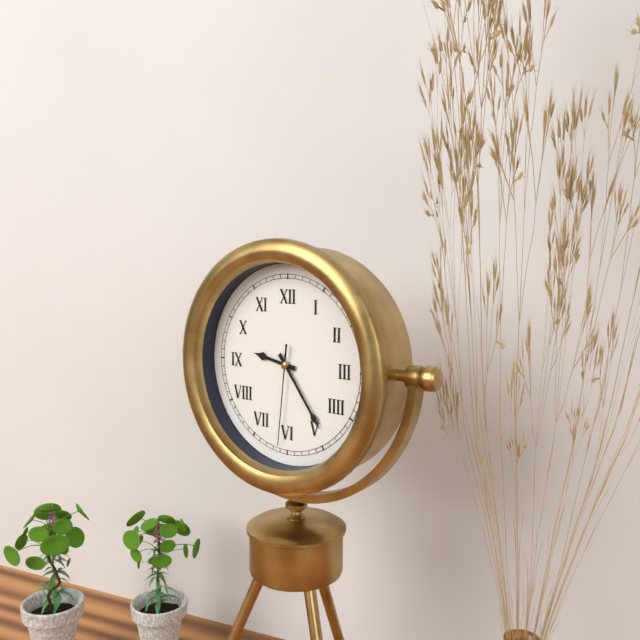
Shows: 9:24:31
